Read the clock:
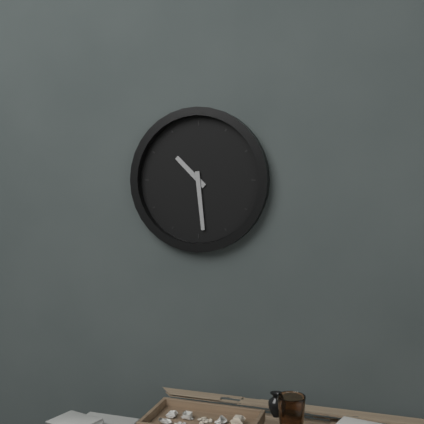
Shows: 10:29
